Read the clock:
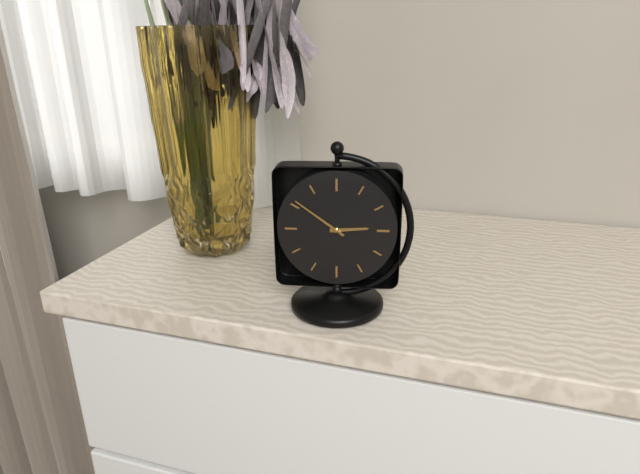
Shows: 2:51
